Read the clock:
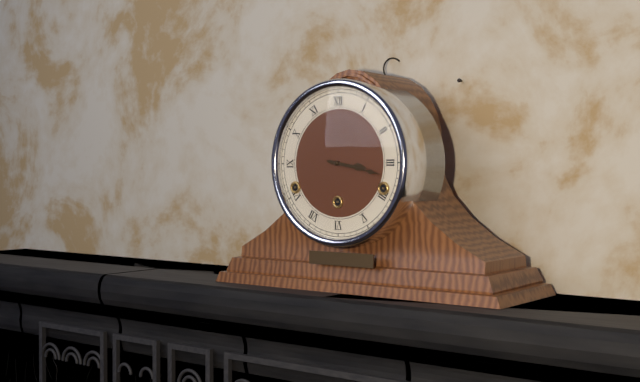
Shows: 3:17
